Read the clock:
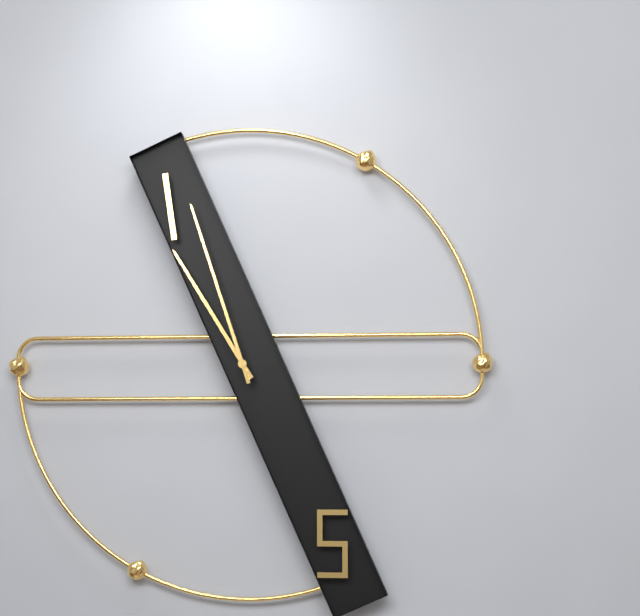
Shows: 10:57
